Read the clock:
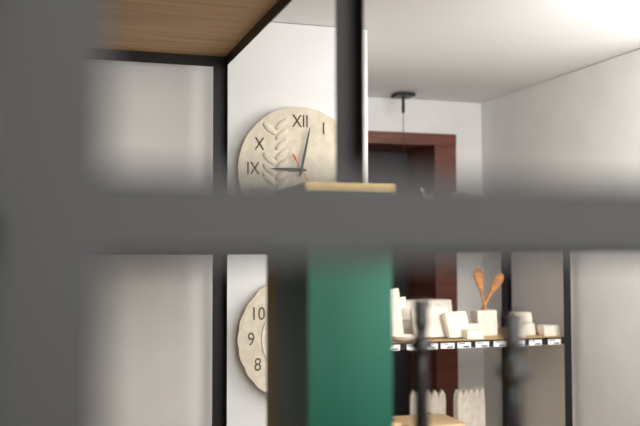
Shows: 9:02
